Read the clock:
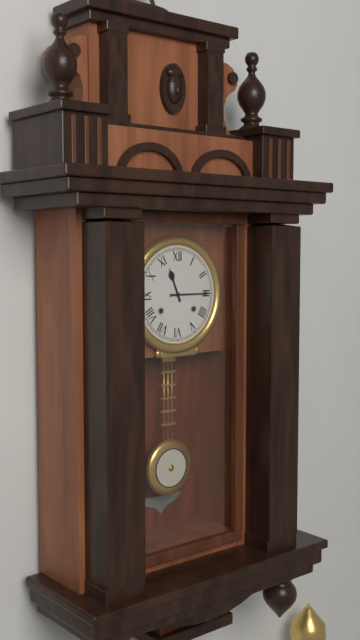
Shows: 11:15
